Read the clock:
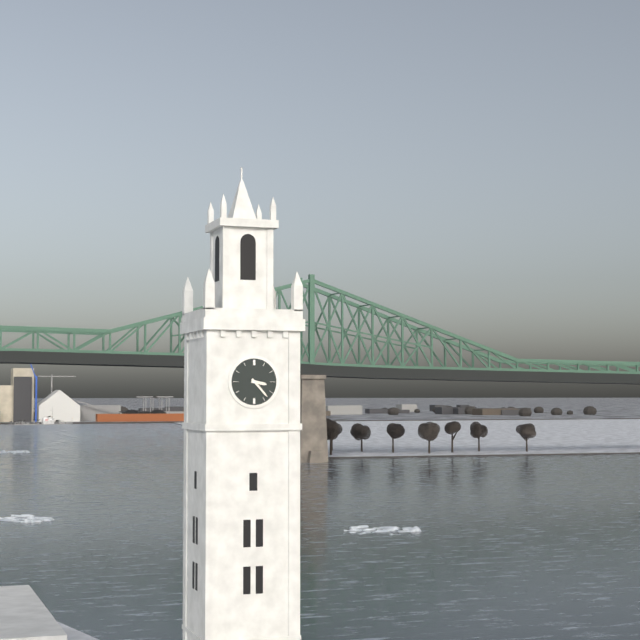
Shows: 3:23
